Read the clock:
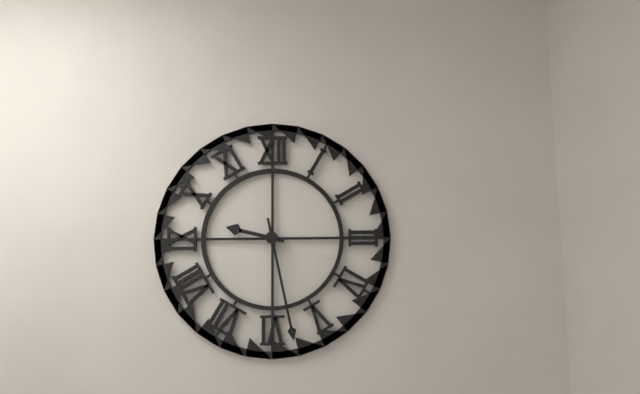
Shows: 9:28
